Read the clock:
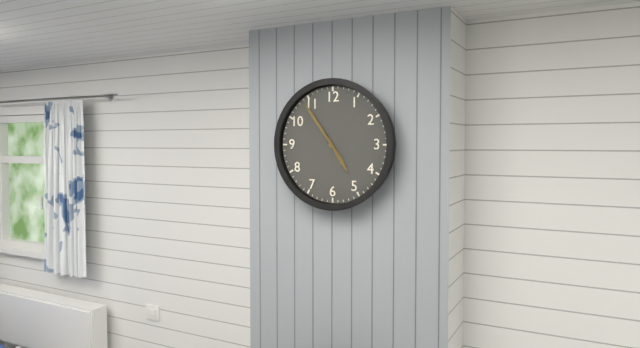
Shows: 4:54
